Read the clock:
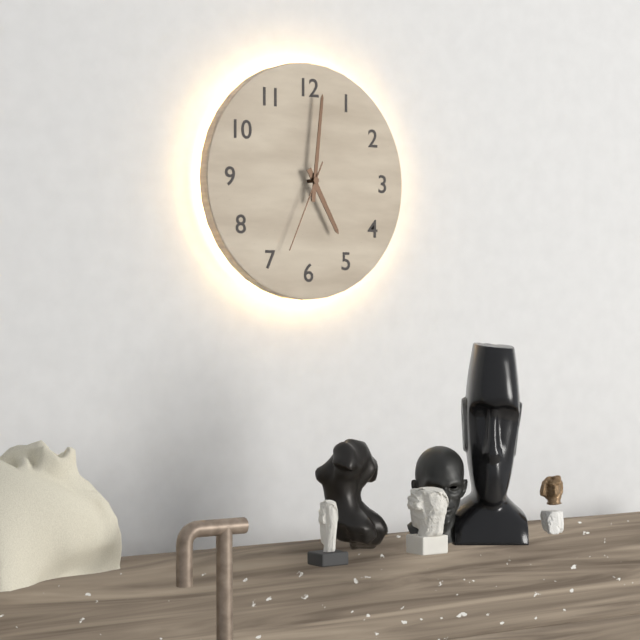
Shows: 5:01:34
